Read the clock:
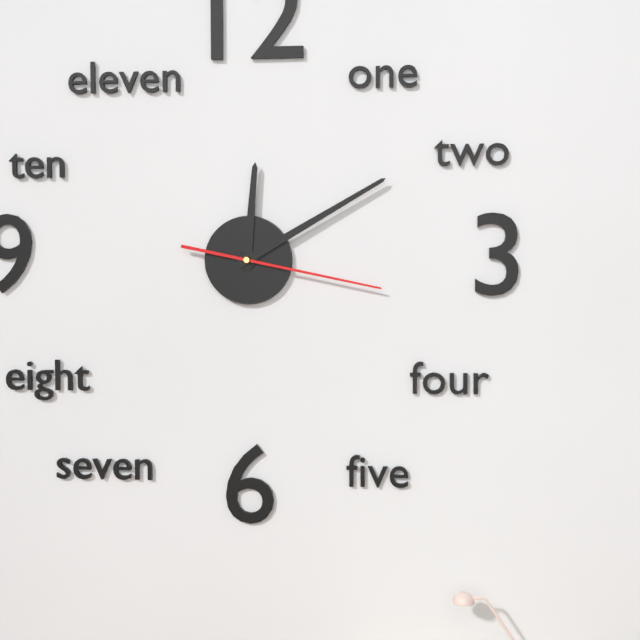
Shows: 12:10:17
